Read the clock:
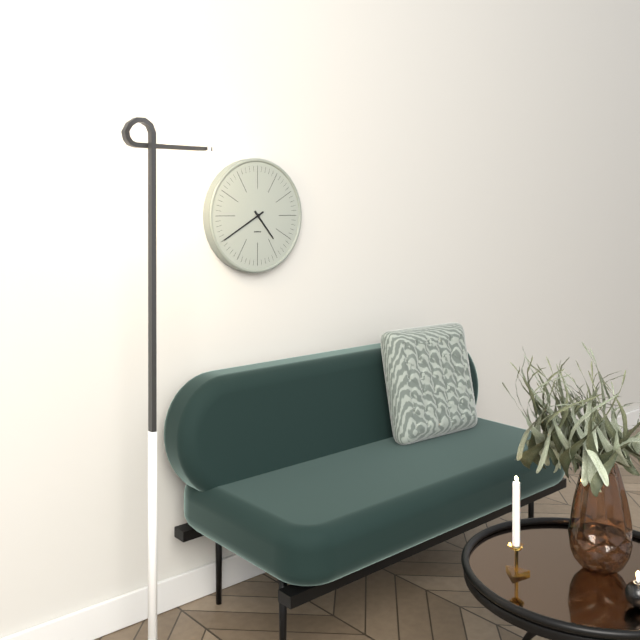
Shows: 4:40
